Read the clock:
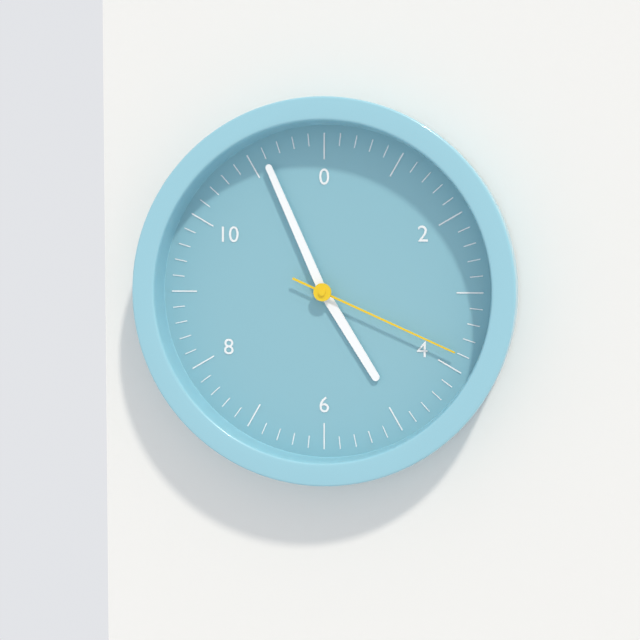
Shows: 4:56:19
